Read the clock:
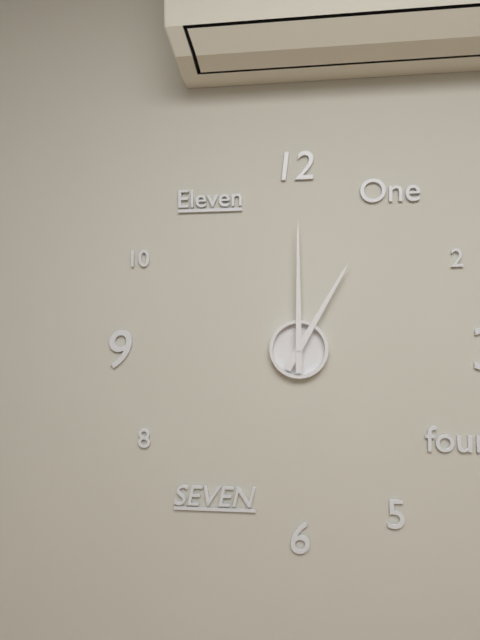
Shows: 1:00
